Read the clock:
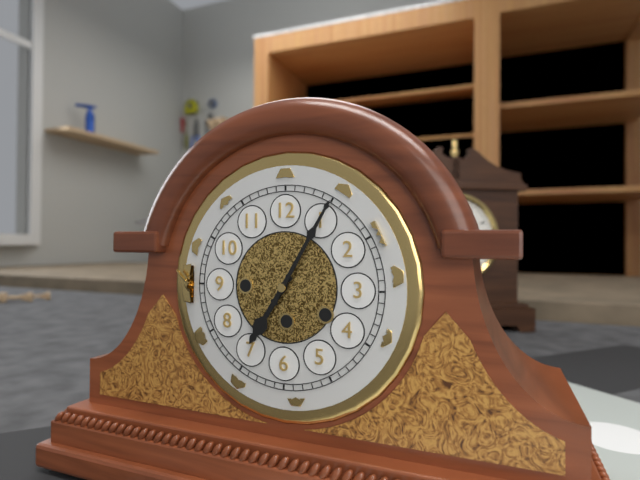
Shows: 7:05
